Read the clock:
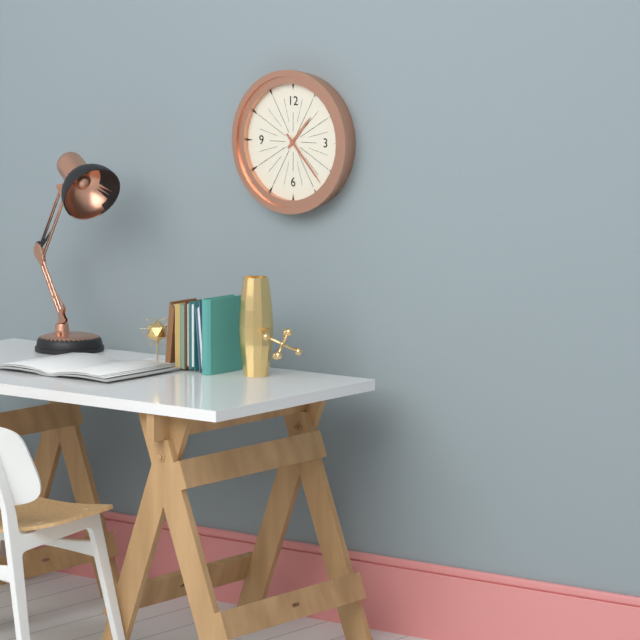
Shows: 1:23
